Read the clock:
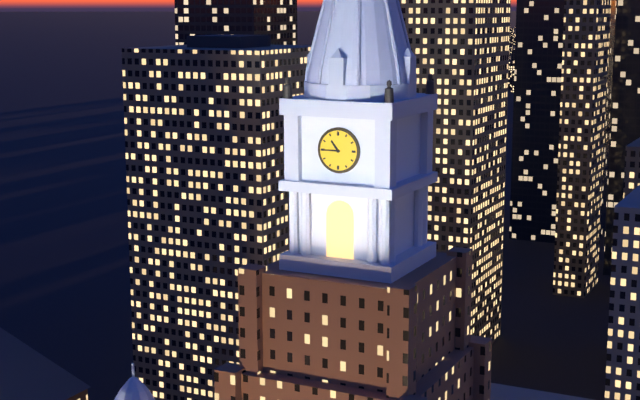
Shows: 10:45
